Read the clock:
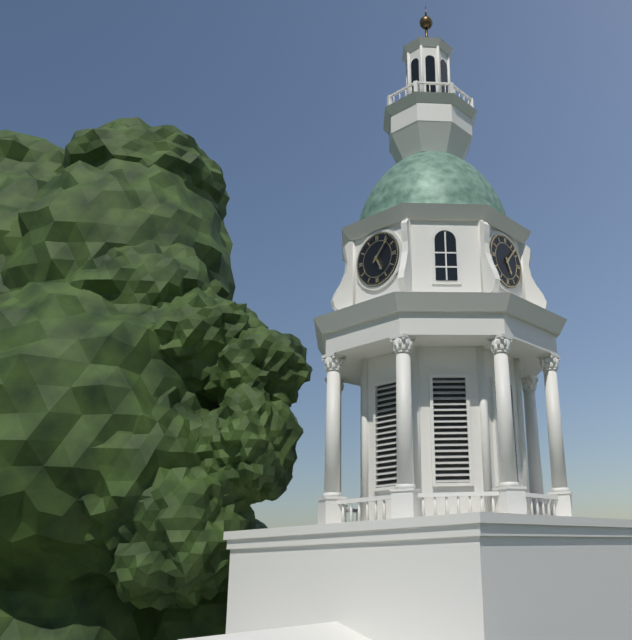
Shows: 5:07
